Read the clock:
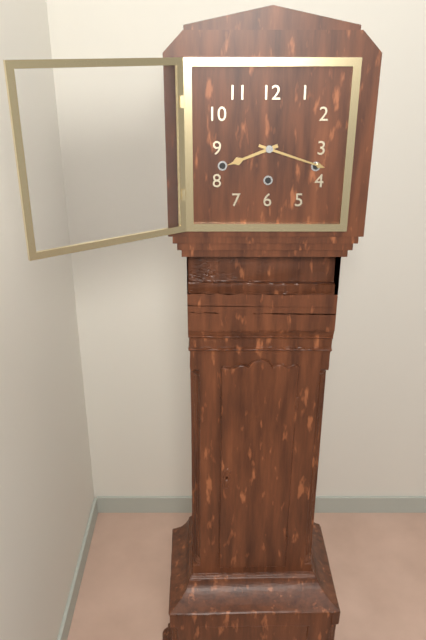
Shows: 8:18
